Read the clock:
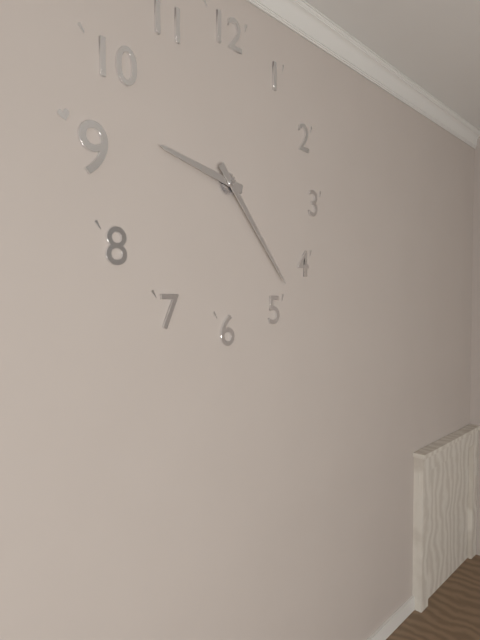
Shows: 9:23
